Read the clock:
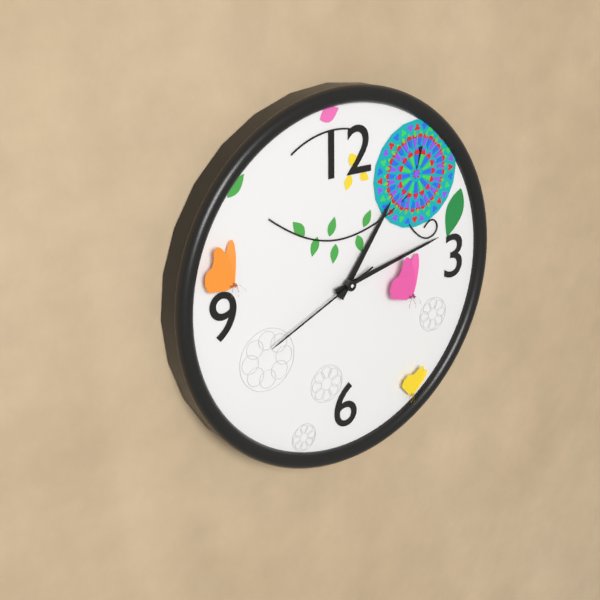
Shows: 1:13:41
